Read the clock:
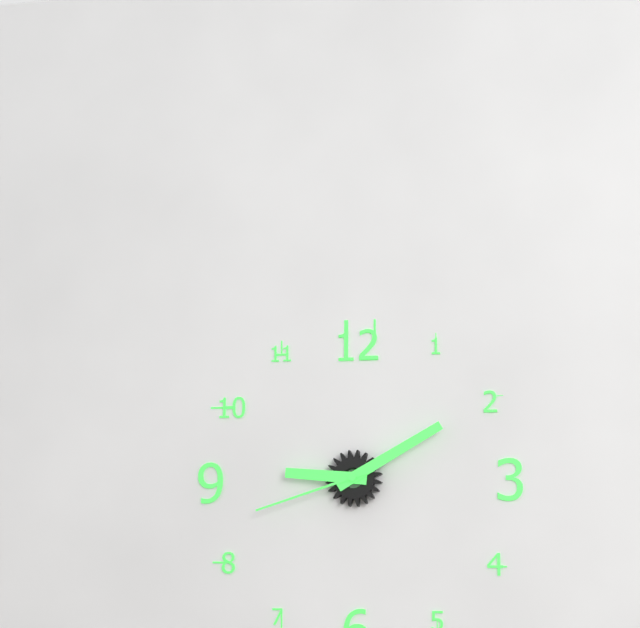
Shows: 9:10:42
